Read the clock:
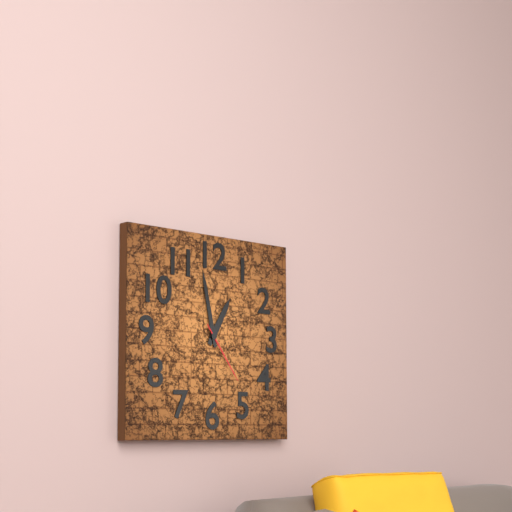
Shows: 12:58:24
